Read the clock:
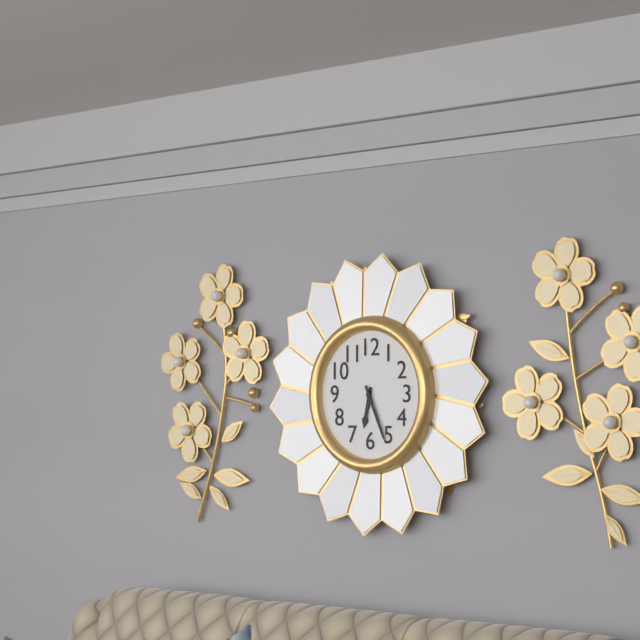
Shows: 6:26
